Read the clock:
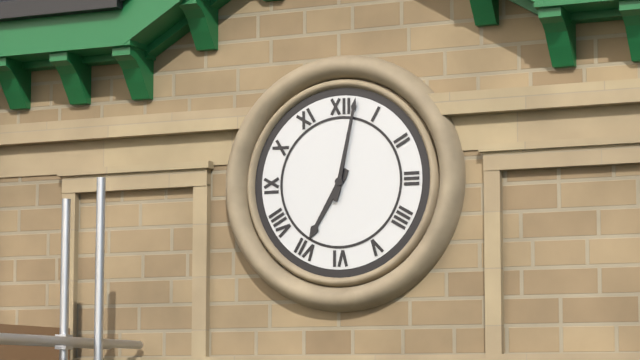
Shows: 7:02
